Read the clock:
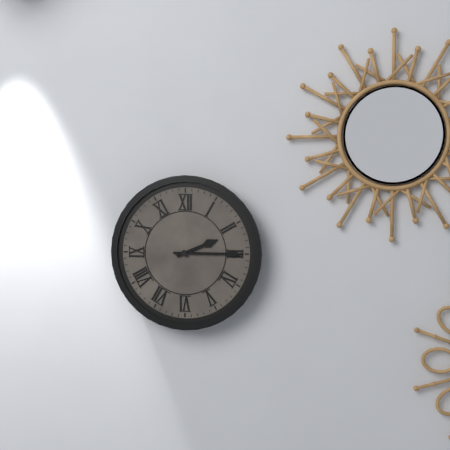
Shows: 2:15
